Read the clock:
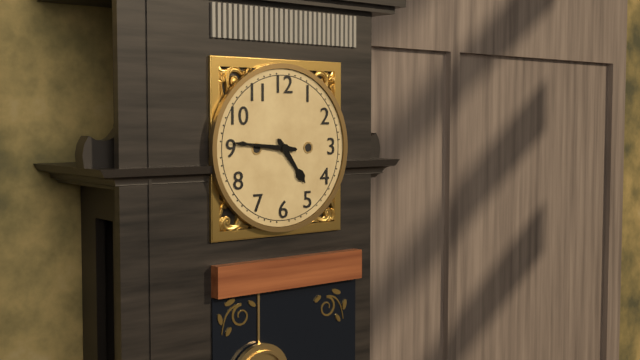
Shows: 4:46
